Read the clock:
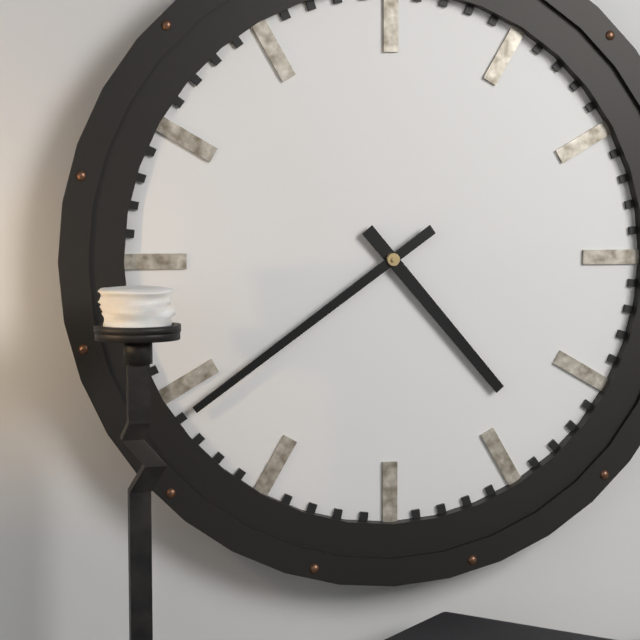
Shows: 4:39
